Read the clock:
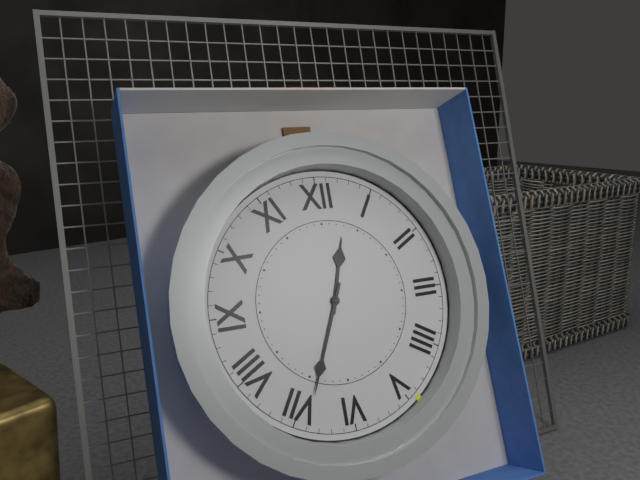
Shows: 12:34
